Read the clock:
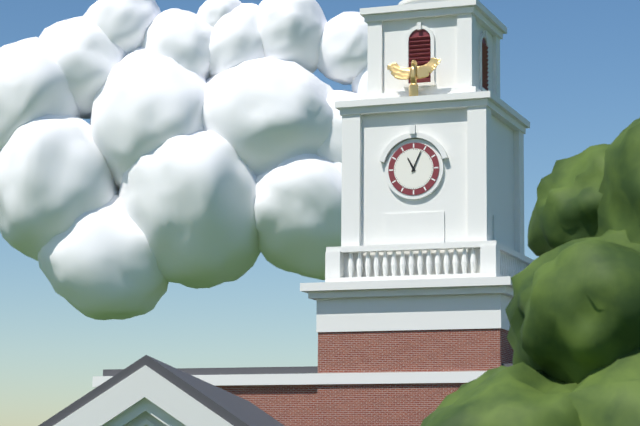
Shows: 11:04
